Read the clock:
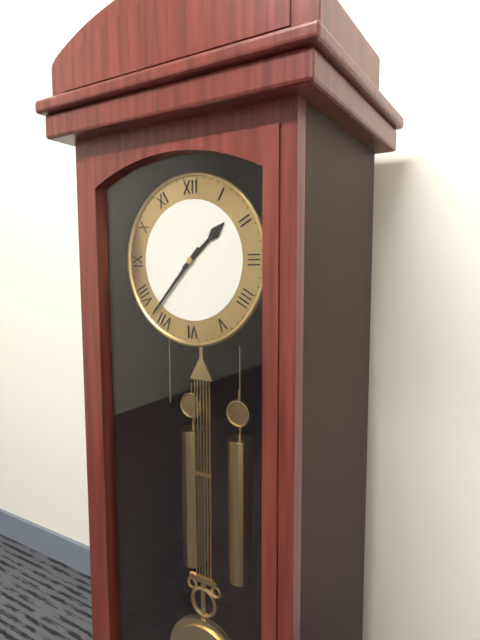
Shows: 1:37
